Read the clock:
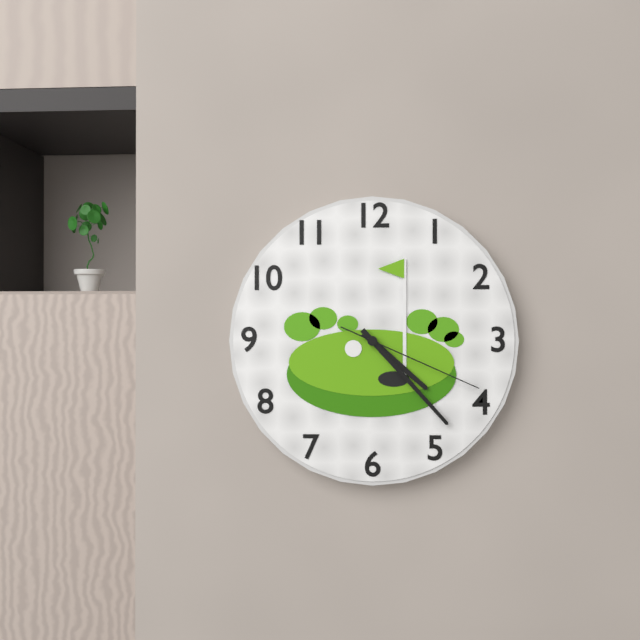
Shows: 4:23:19
